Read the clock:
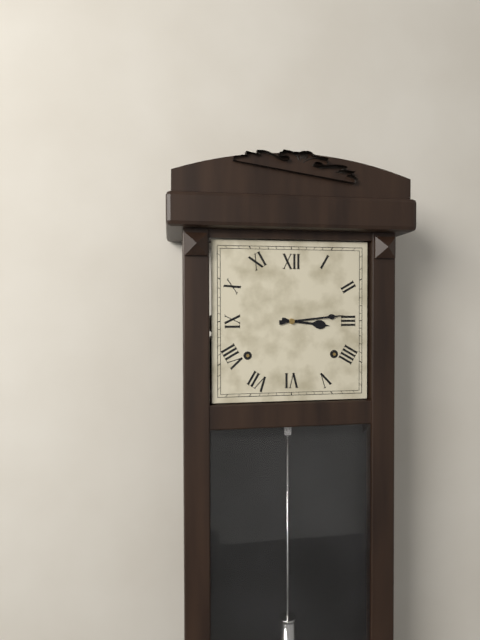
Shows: 3:14
